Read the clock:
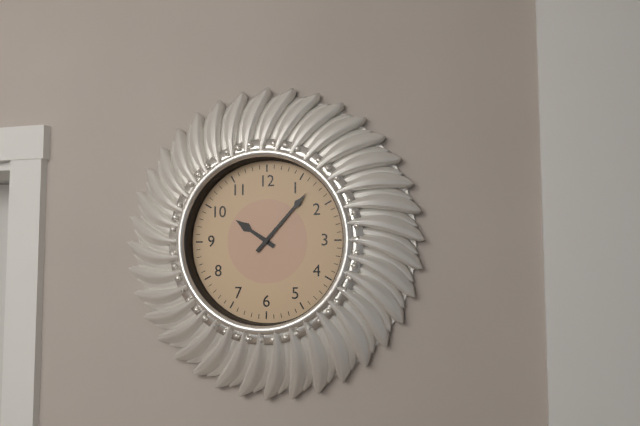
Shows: 10:07
